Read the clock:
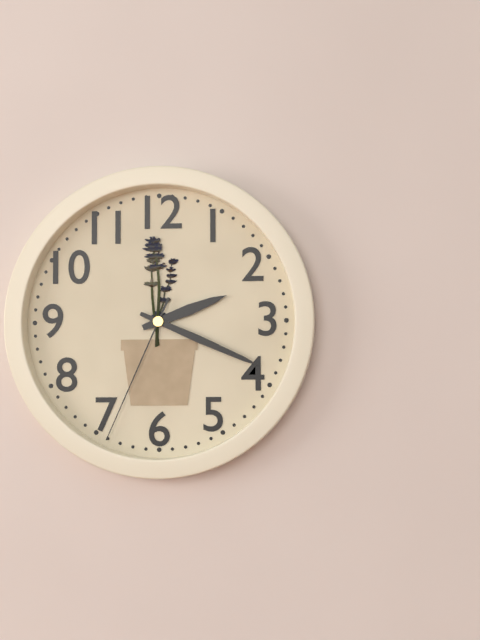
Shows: 2:19:34
